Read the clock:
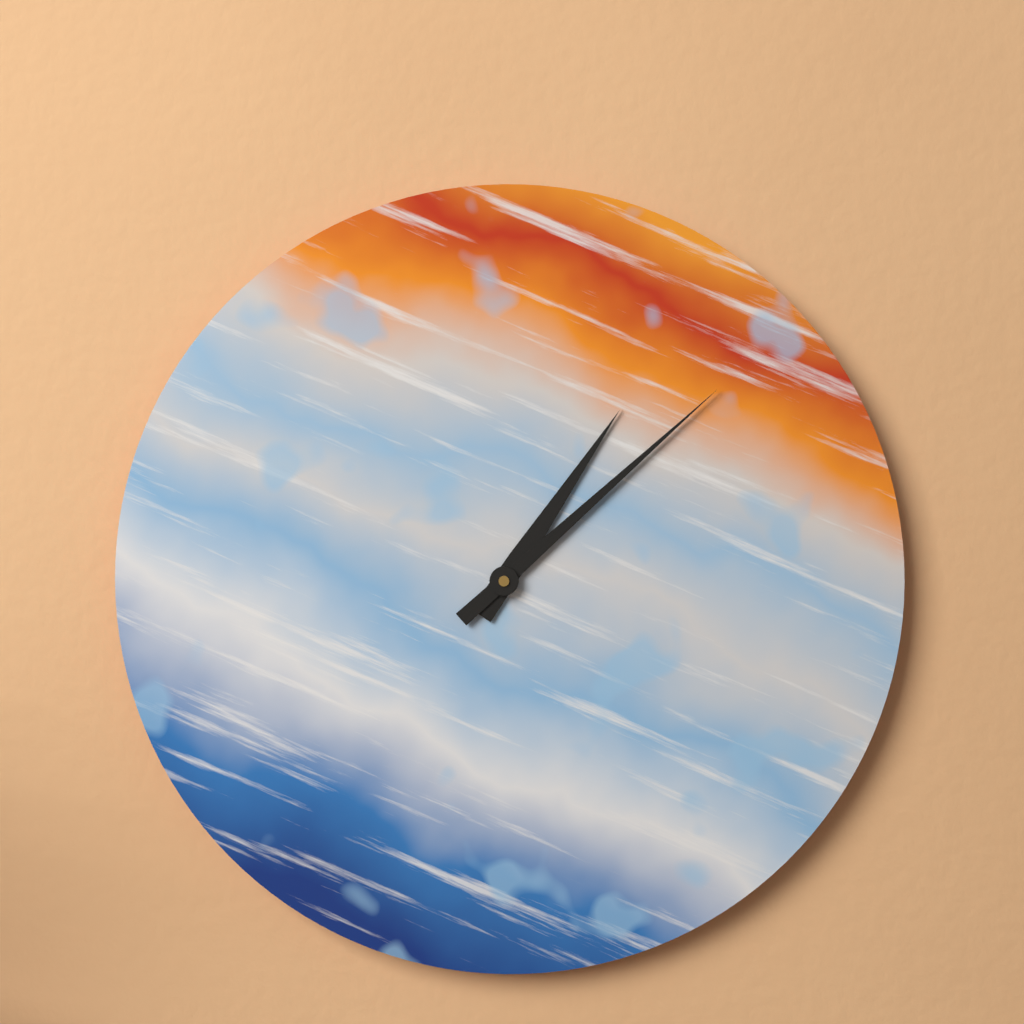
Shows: 1:08
